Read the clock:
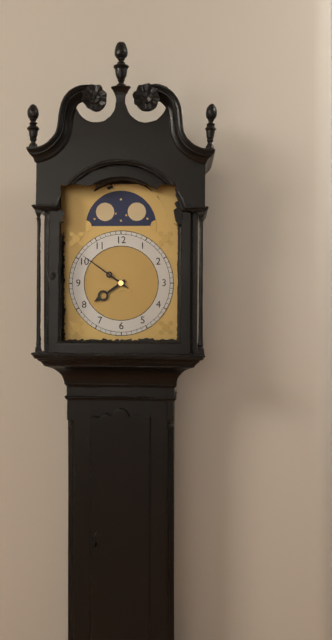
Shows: 7:51
